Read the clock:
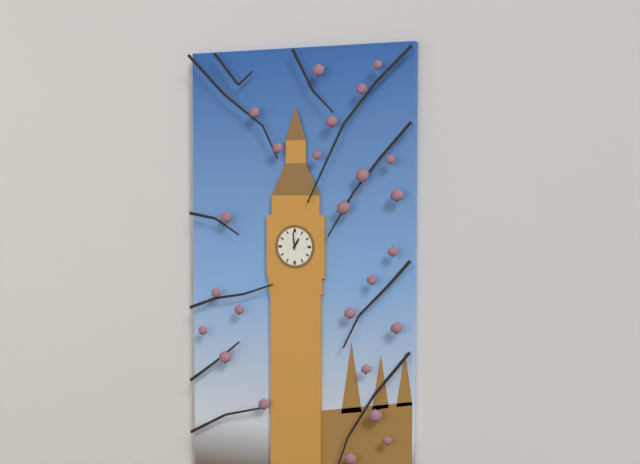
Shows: 12:59
